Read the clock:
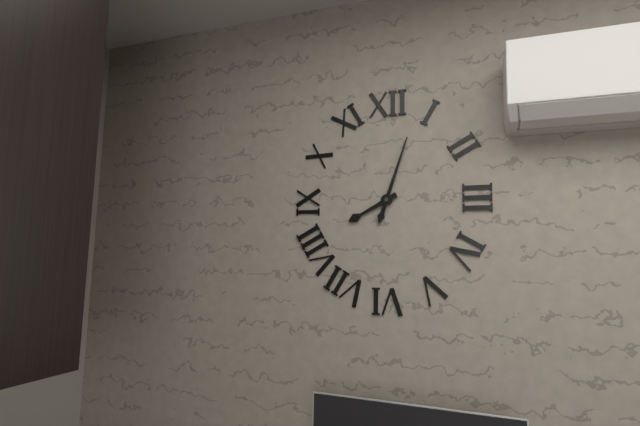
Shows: 8:03
